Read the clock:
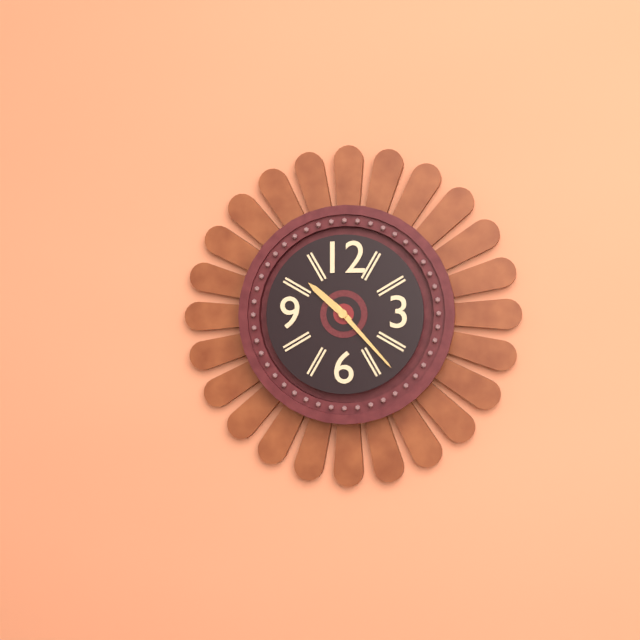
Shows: 10:23
